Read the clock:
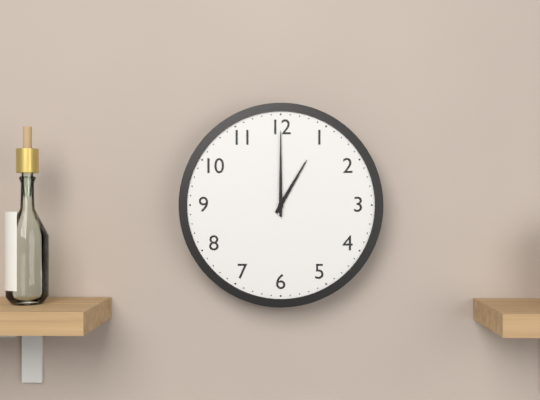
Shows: 1:00
